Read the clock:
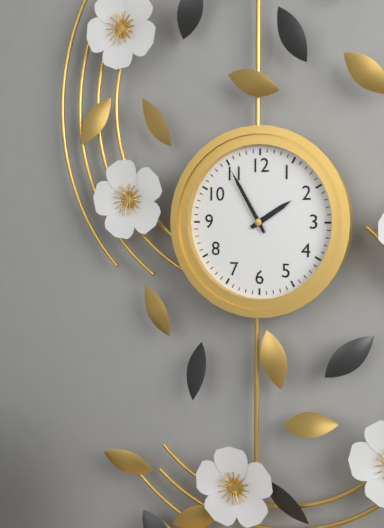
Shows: 1:55
